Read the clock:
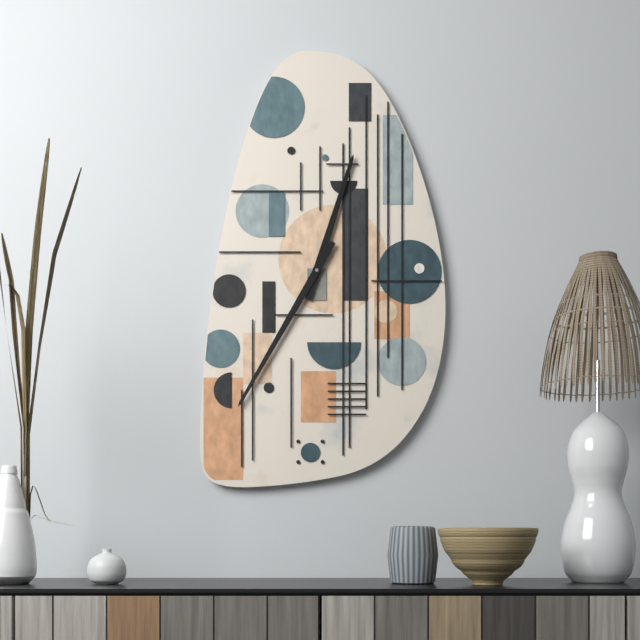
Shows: 12:35
